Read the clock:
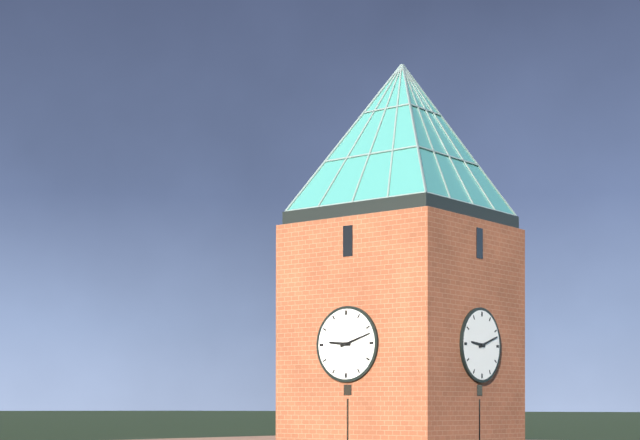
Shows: 9:12
